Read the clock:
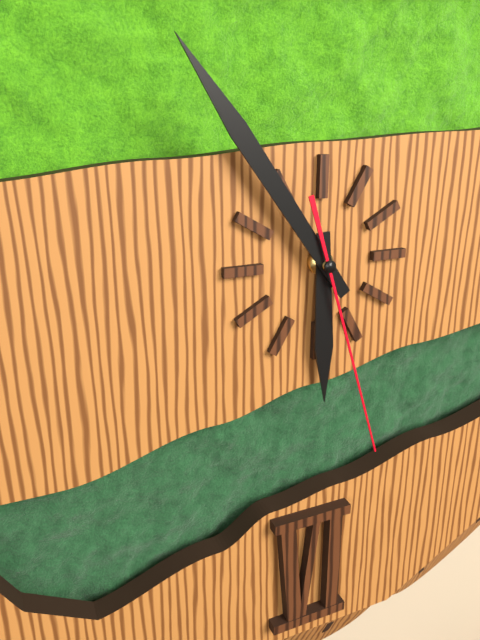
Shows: 5:54:27
